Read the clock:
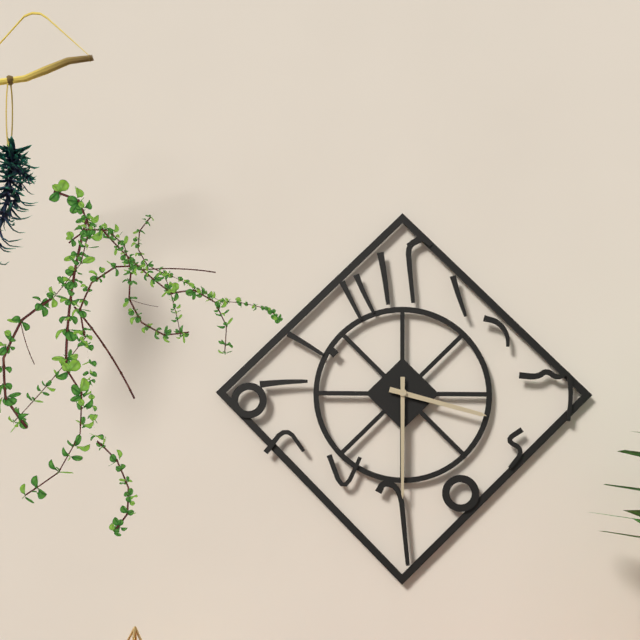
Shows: 3:30
